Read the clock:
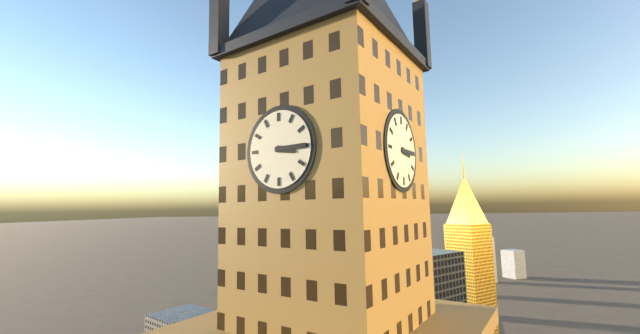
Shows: 3:15
